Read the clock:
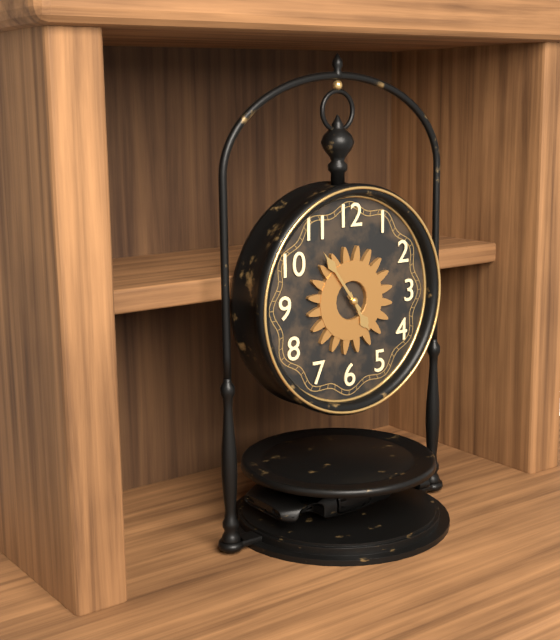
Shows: 4:54
